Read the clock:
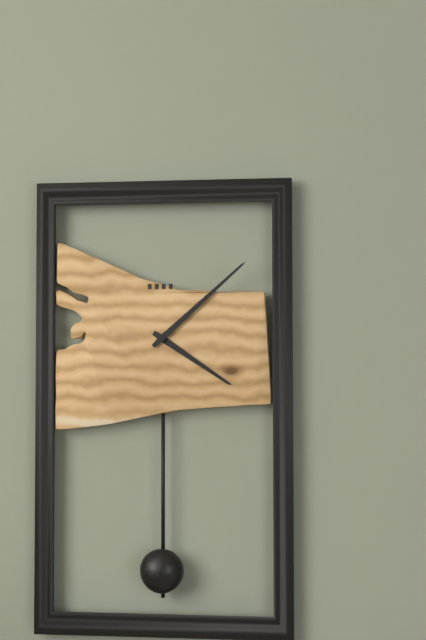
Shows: 4:08
